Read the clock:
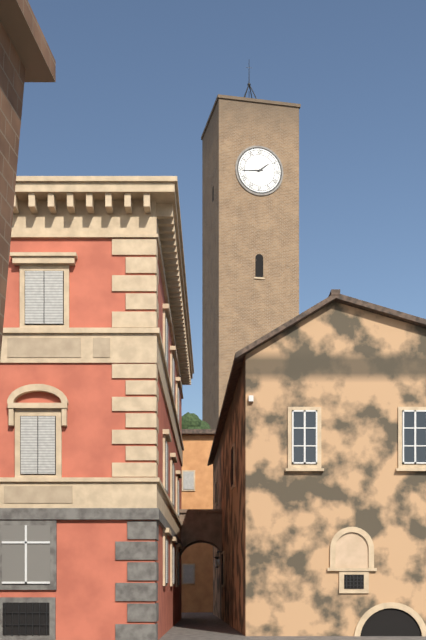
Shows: 1:44
